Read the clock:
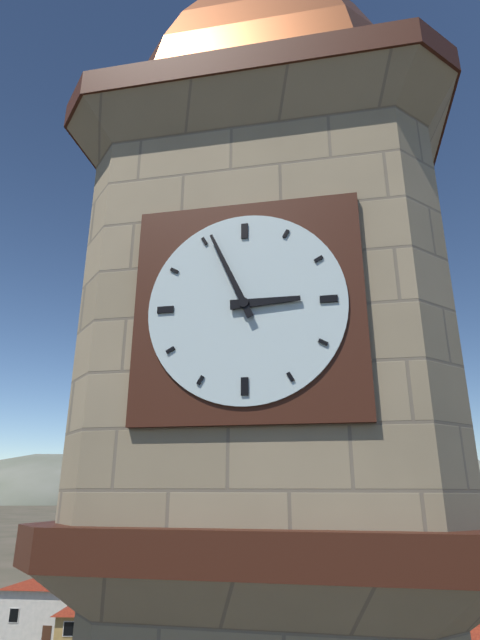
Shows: 2:56
